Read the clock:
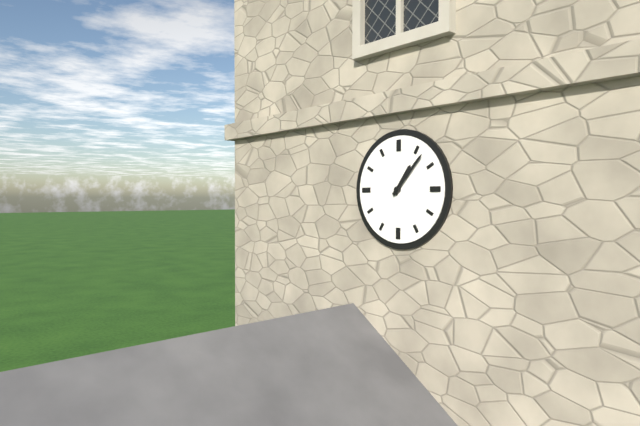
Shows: 1:07
